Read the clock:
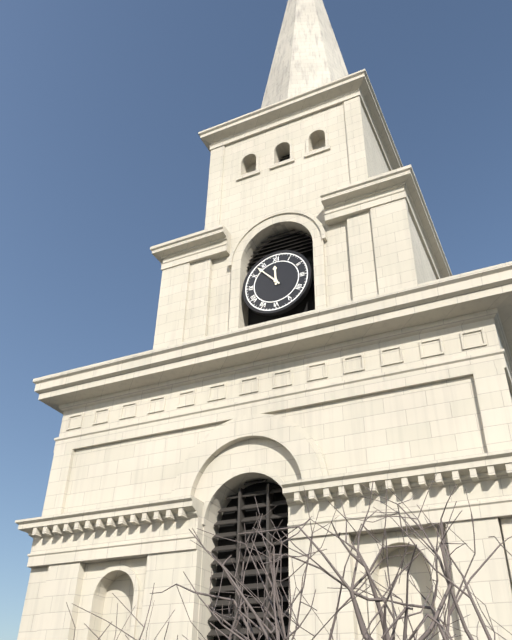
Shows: 11:53
